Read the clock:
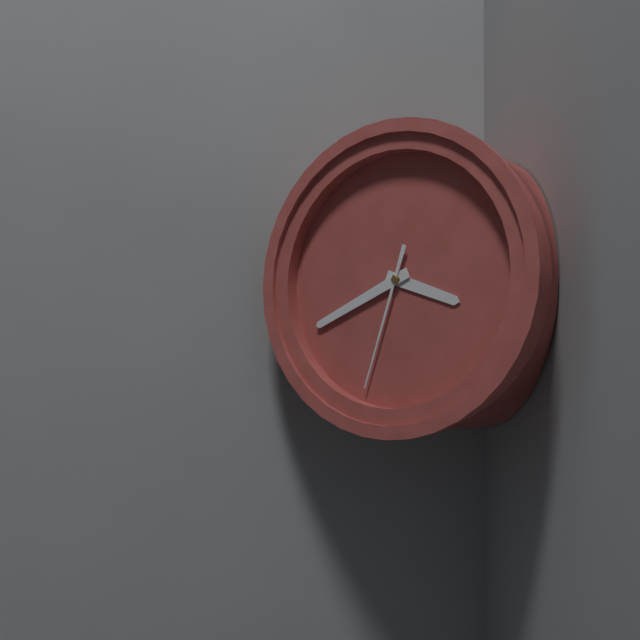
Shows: 3:41:33
